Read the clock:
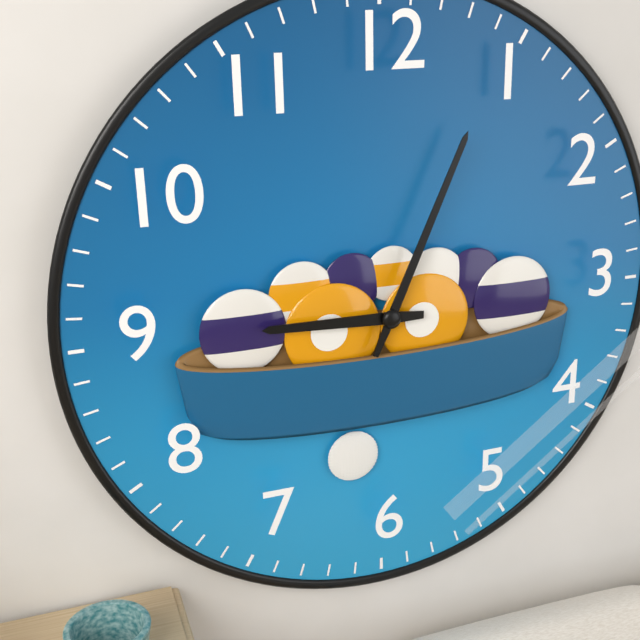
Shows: 9:04
